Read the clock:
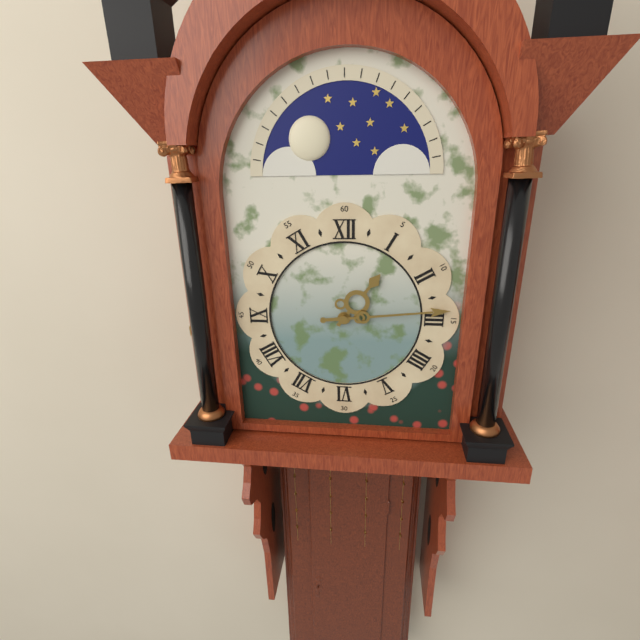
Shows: 1:14
